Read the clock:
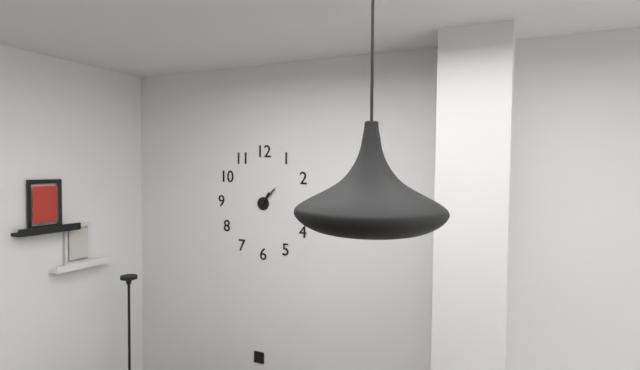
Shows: 1:07
